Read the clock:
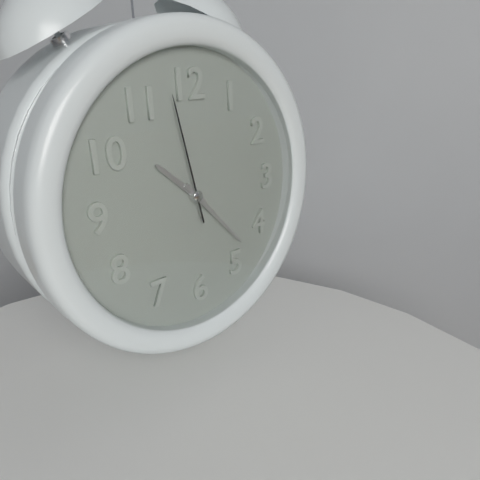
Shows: 10:23:58
